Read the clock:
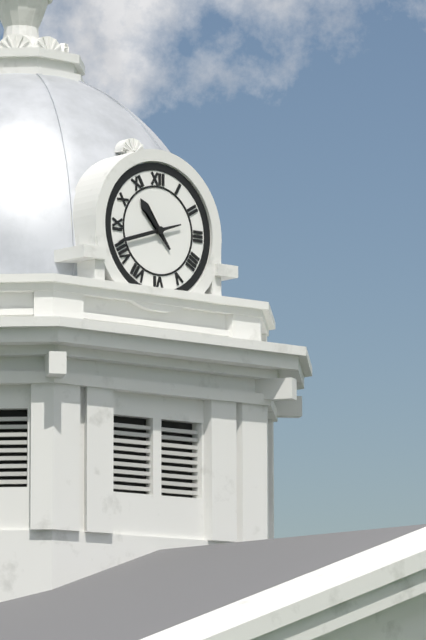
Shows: 10:42
